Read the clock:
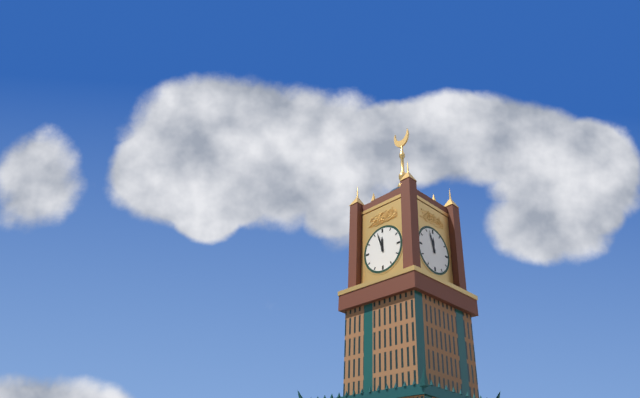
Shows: 11:57
